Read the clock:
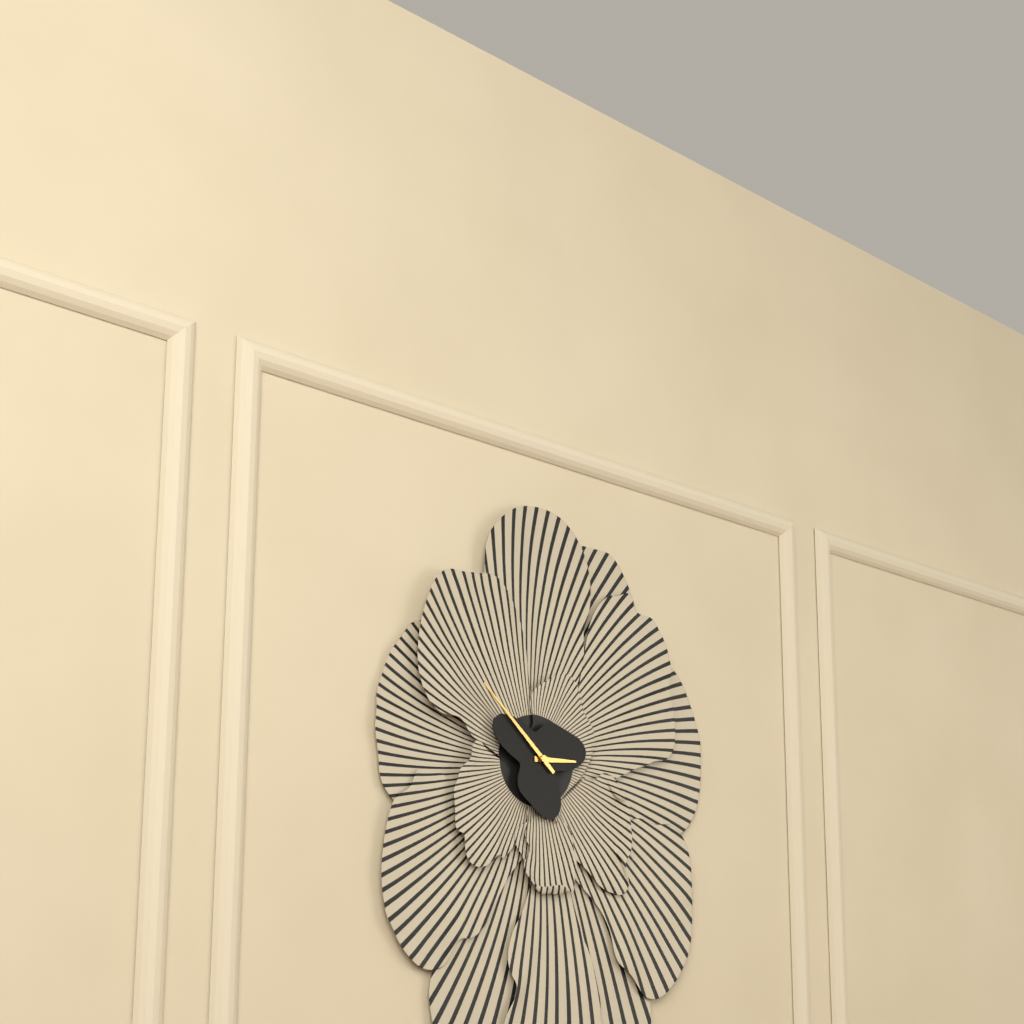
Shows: 2:52
